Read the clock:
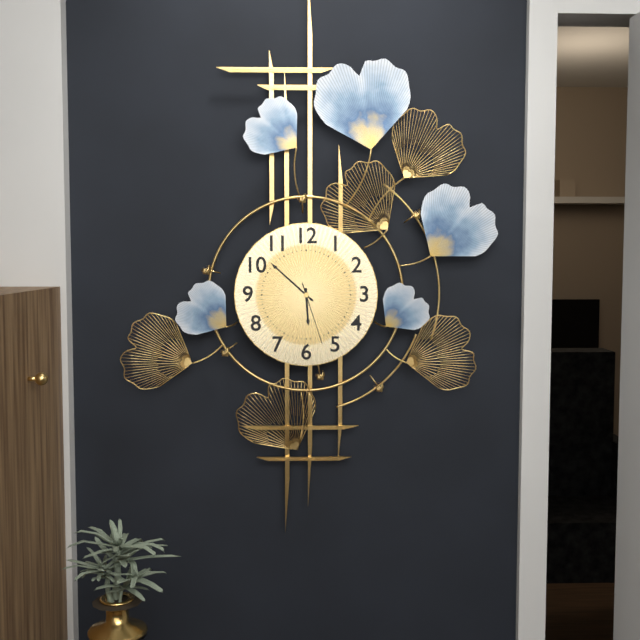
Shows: 5:52:27
